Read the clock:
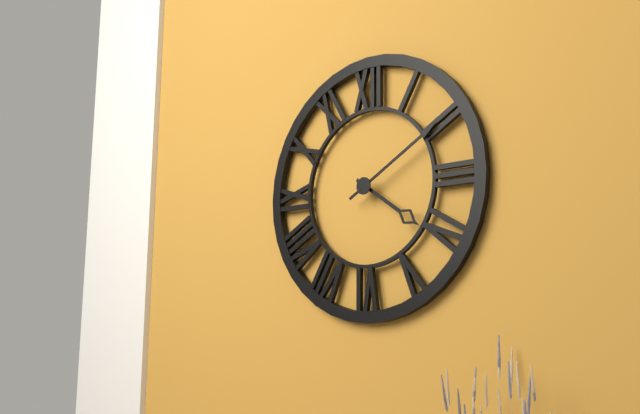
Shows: 4:10
